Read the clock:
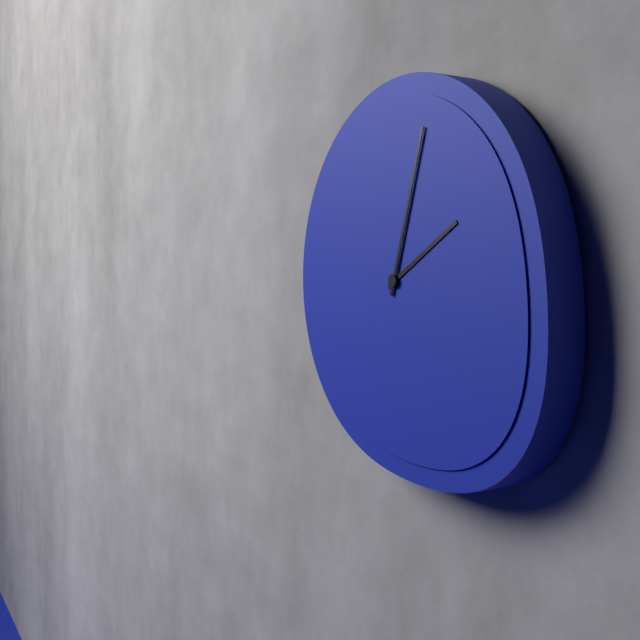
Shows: 2:03
